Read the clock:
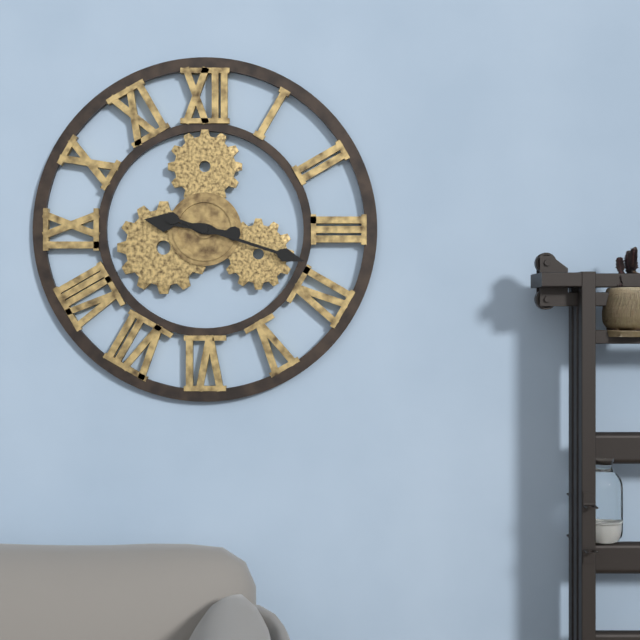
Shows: 9:18
